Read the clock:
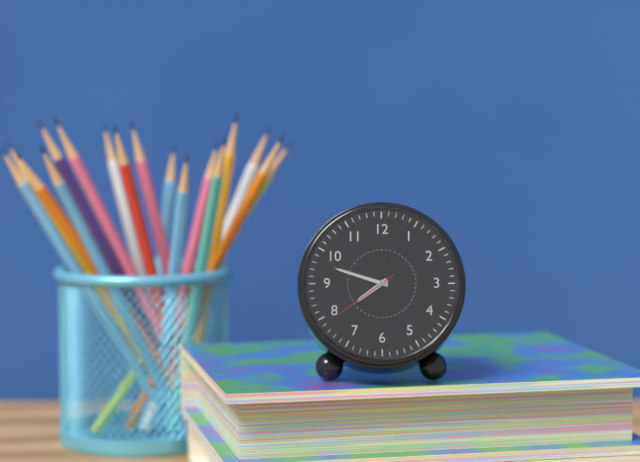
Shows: 7:48:39
